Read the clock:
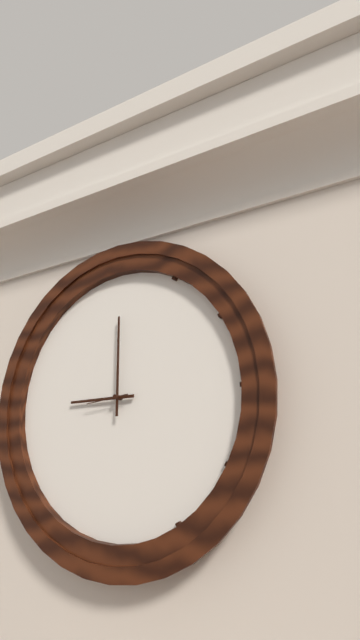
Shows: 9:00
